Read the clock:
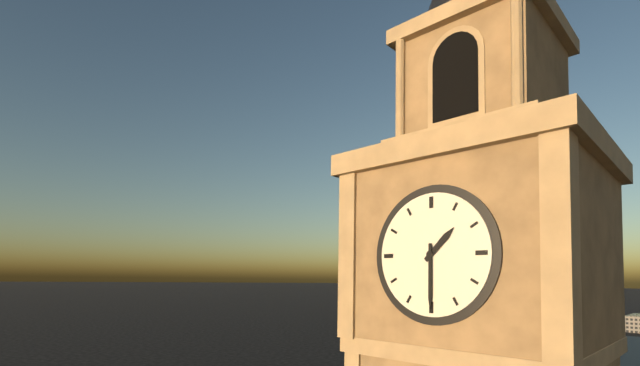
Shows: 1:30
